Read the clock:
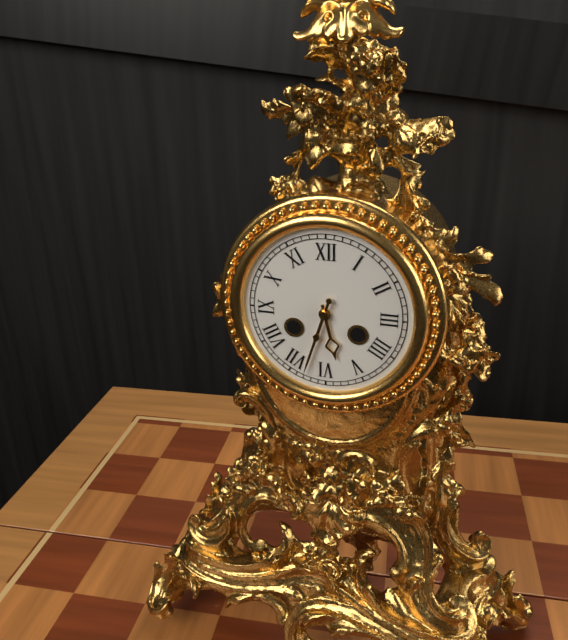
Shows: 5:33
